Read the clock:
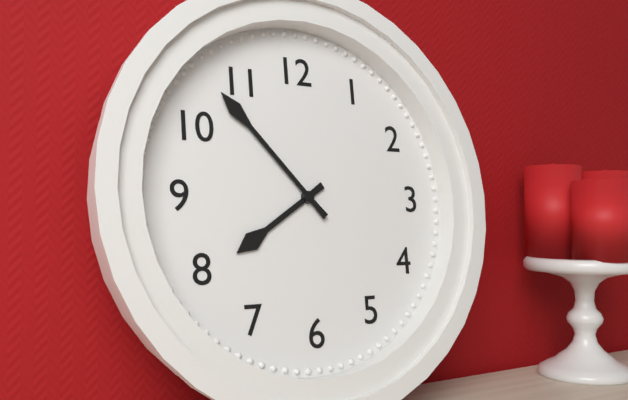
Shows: 7:53
